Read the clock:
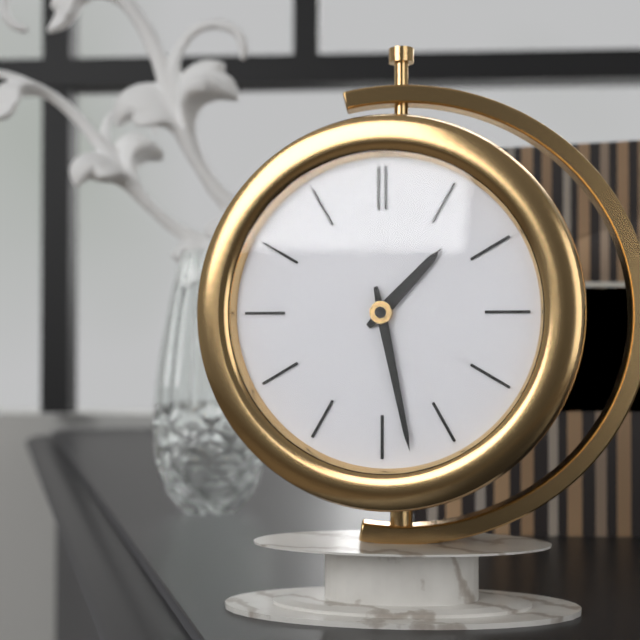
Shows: 1:28
